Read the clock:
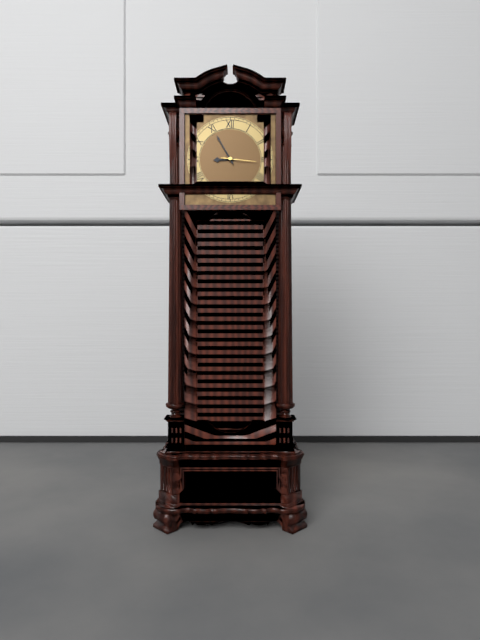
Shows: 8:55
